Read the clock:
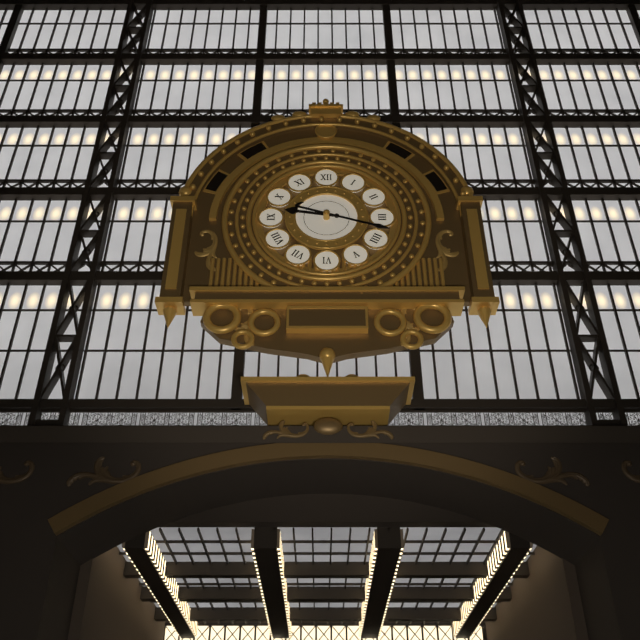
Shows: 9:18
